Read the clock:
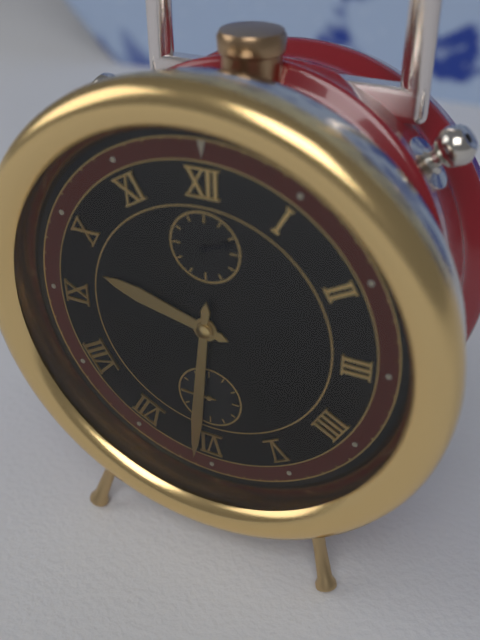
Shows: 9:31:45
